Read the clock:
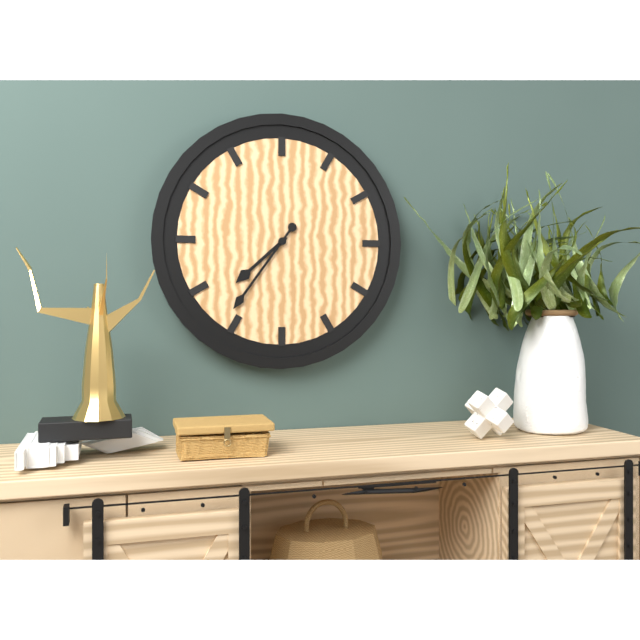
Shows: 7:36
